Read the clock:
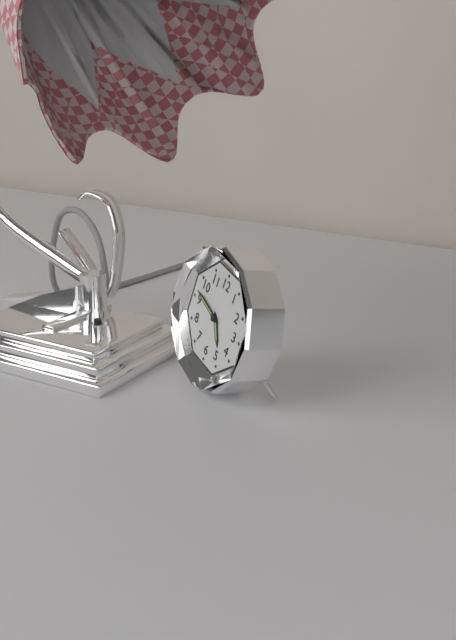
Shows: 4:47
